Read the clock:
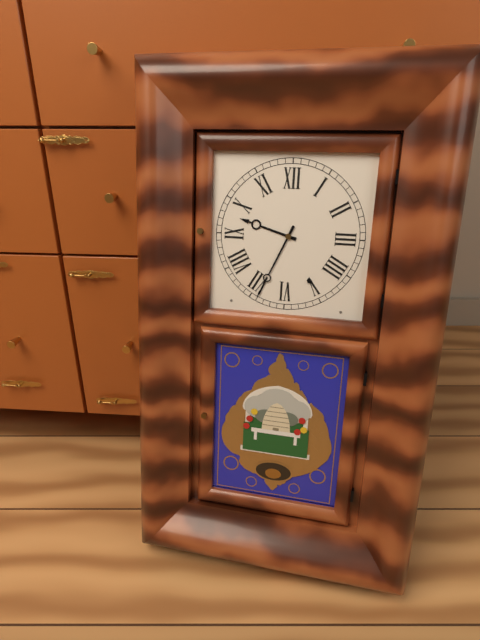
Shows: 9:34
